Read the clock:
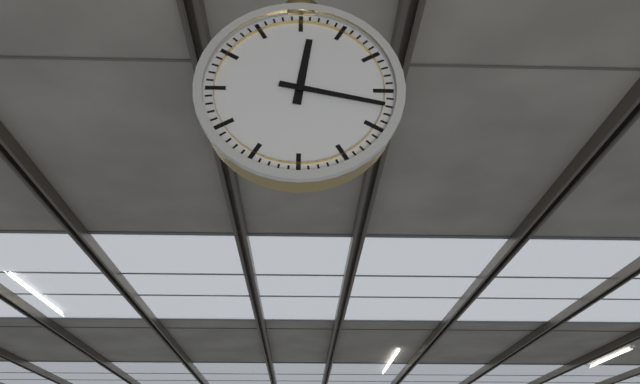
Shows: 12:17
